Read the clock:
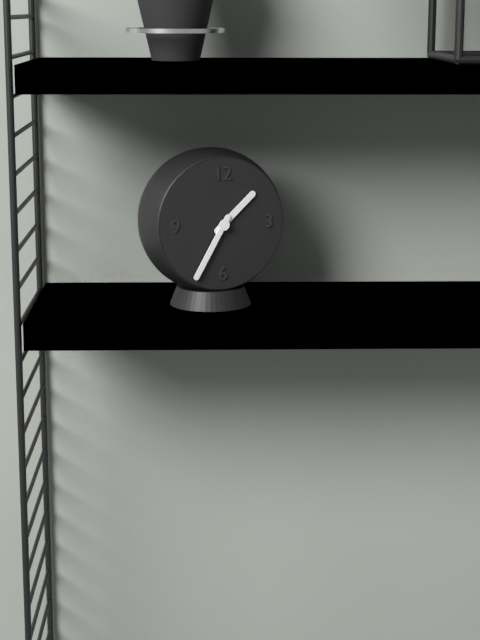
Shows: 1:35
